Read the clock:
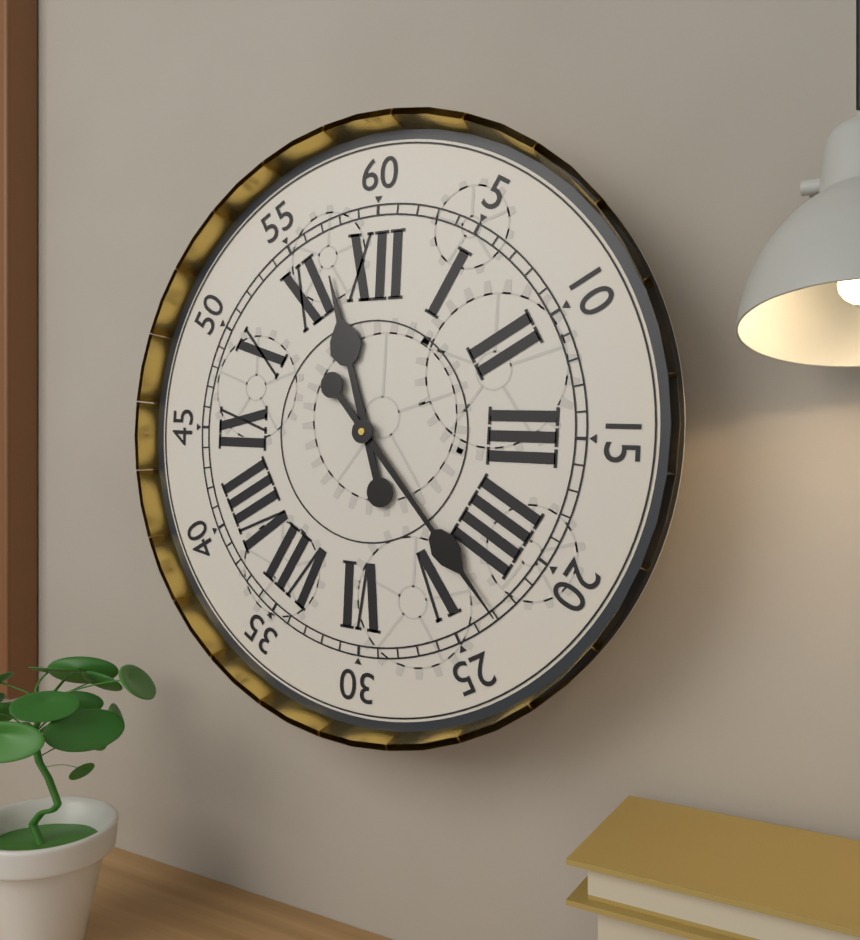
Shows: 11:23
